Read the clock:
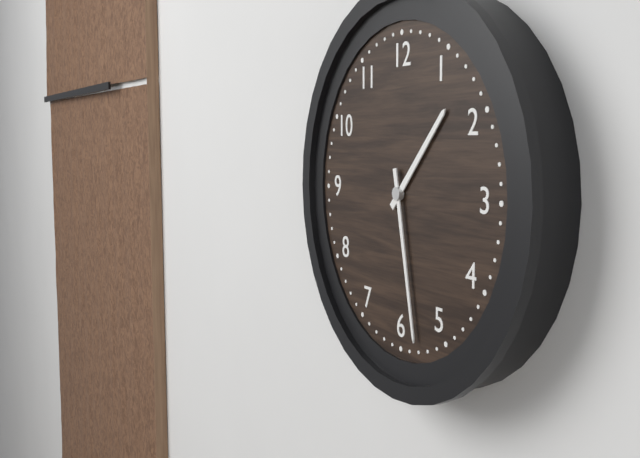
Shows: 1:28
